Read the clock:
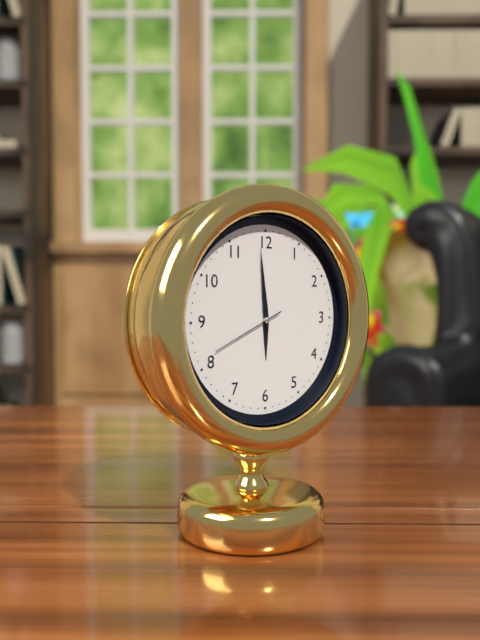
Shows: 5:59:41
